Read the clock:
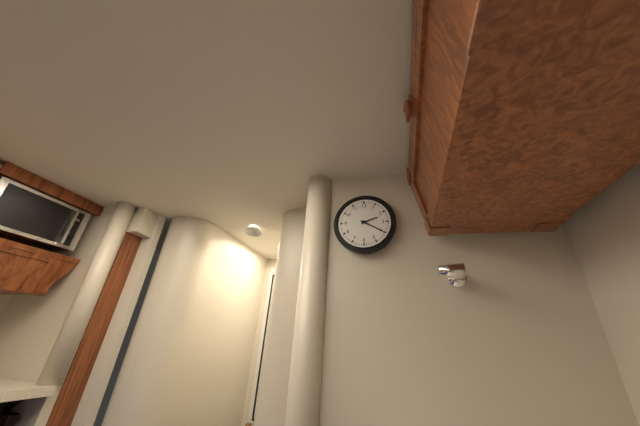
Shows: 2:20
